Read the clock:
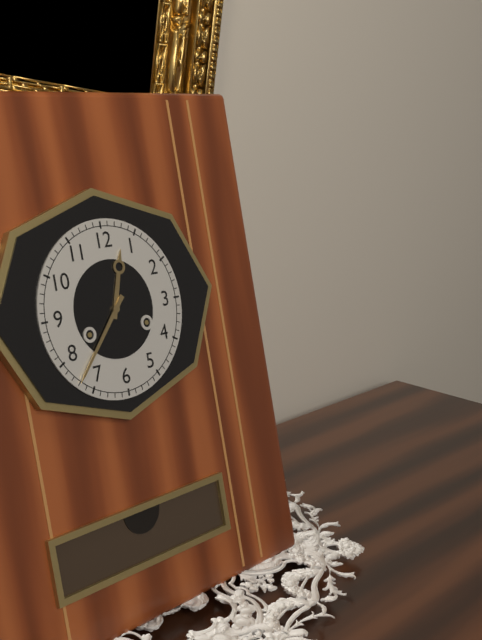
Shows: 12:37
